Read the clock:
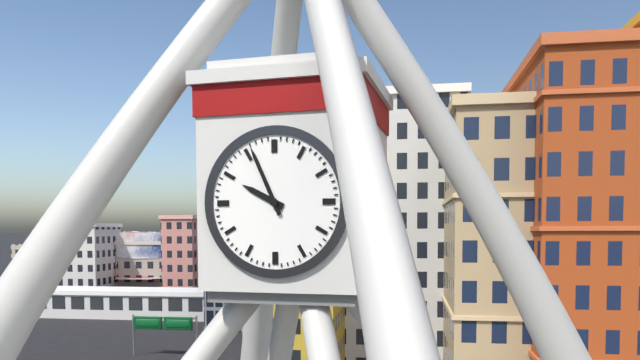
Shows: 9:56
